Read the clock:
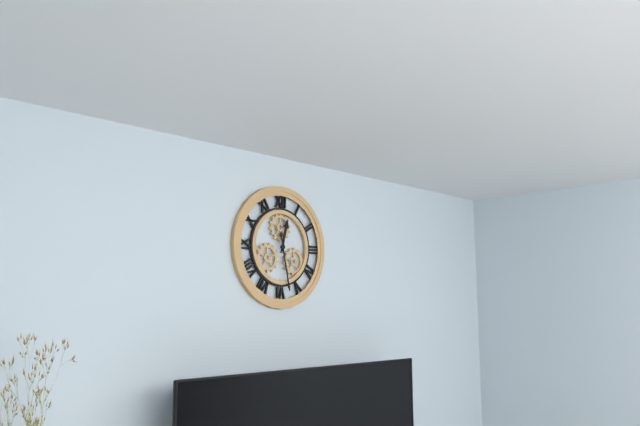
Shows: 12:28
